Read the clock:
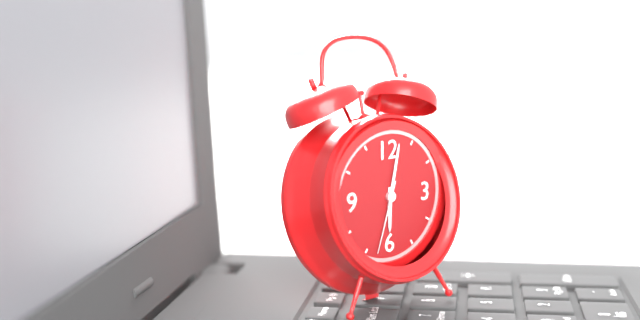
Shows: 6:02:33
